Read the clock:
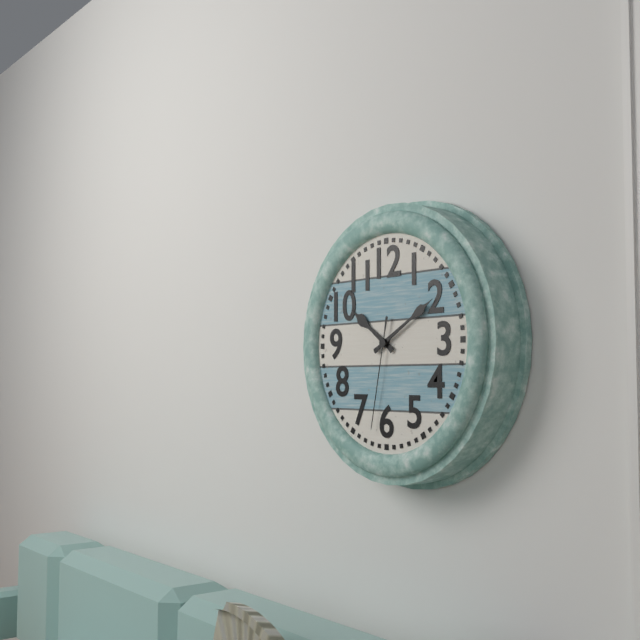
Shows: 10:10:32
